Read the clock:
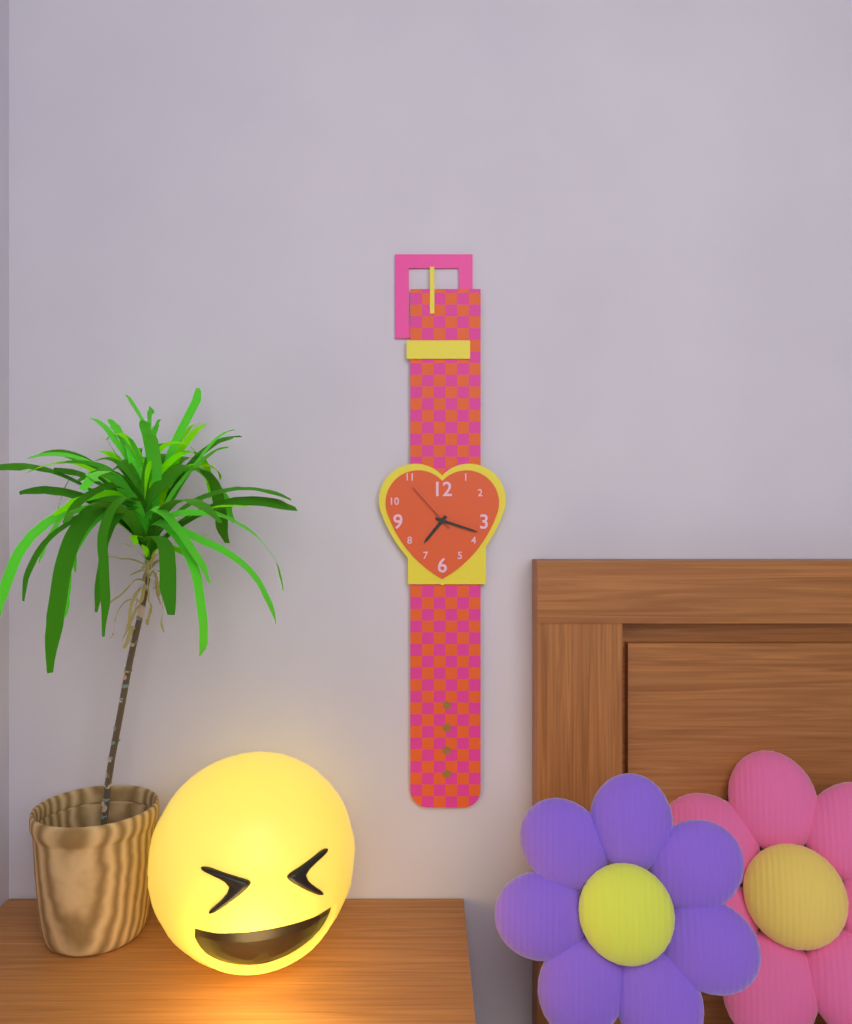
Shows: 7:18:53
